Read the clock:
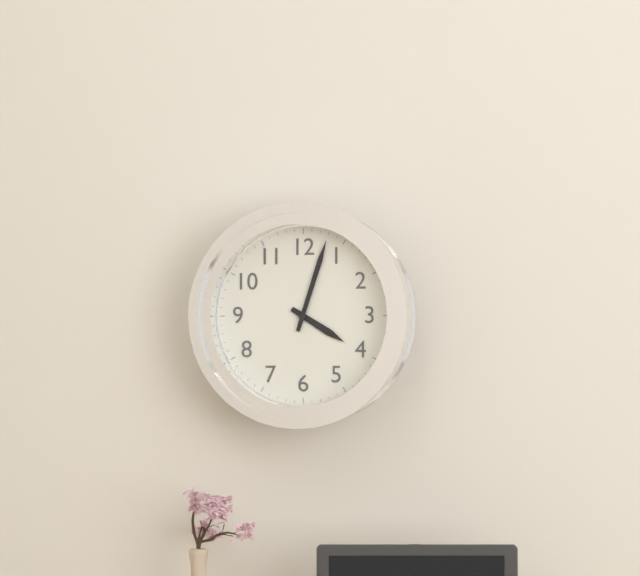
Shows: 4:03
